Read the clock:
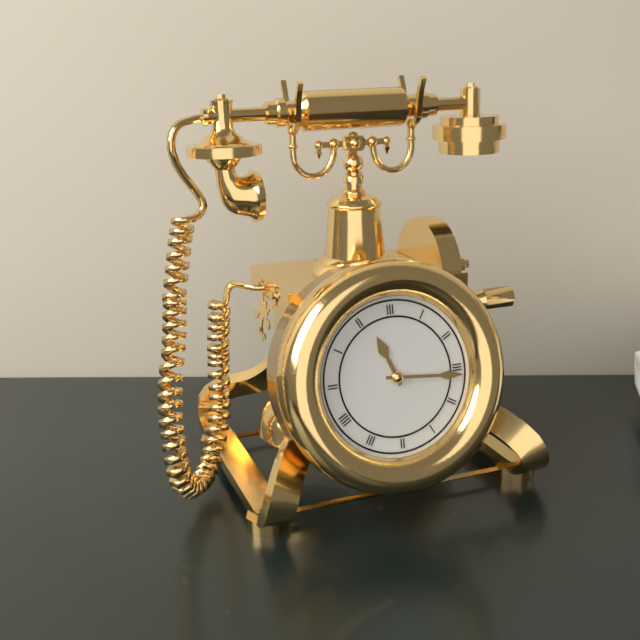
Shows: 11:16
